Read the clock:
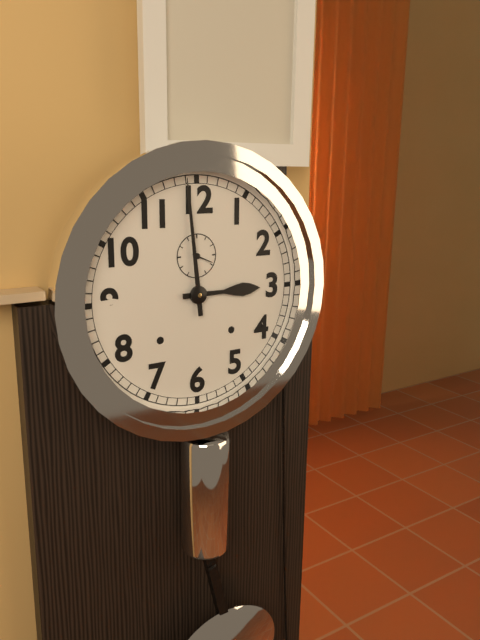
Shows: 2:59
